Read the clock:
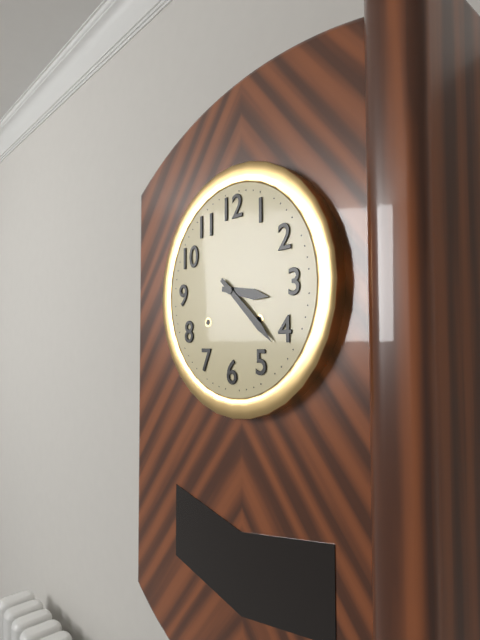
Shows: 3:22
